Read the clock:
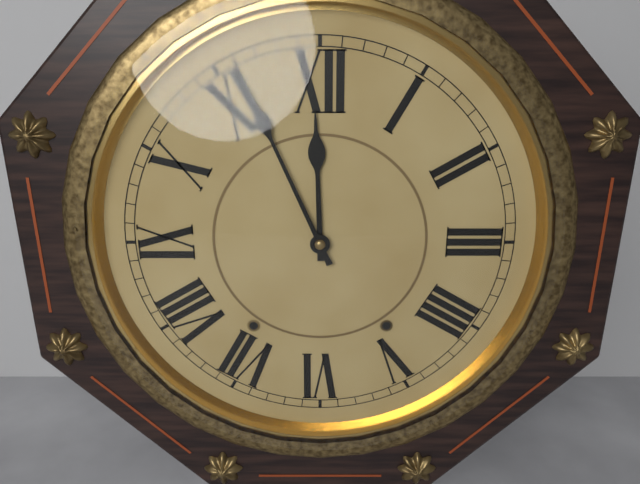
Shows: 11:56
